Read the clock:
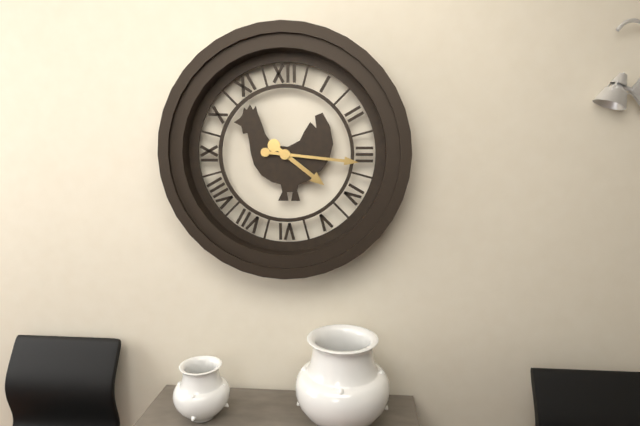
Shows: 4:16
